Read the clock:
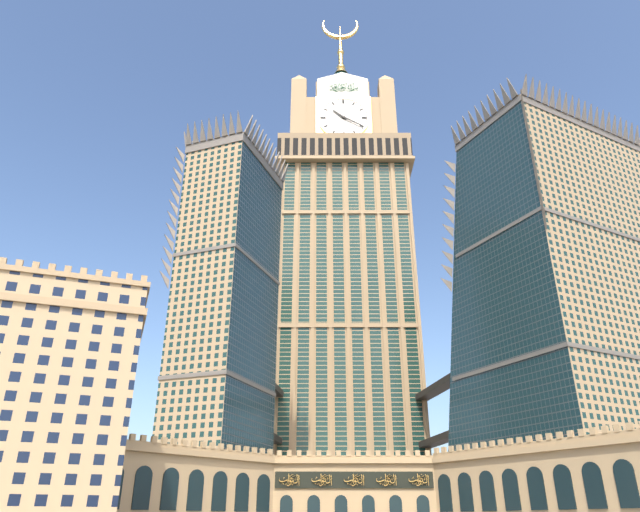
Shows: 10:20
